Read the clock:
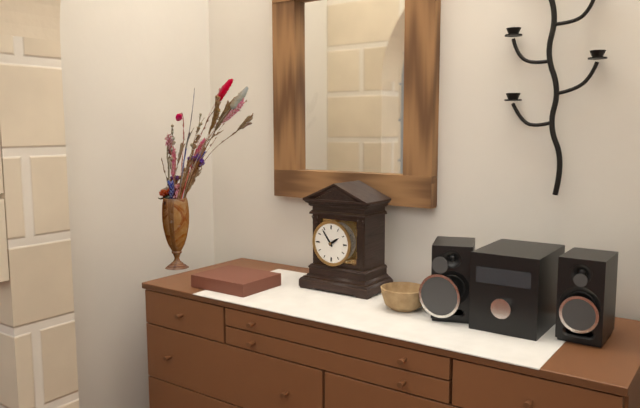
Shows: 1:54
